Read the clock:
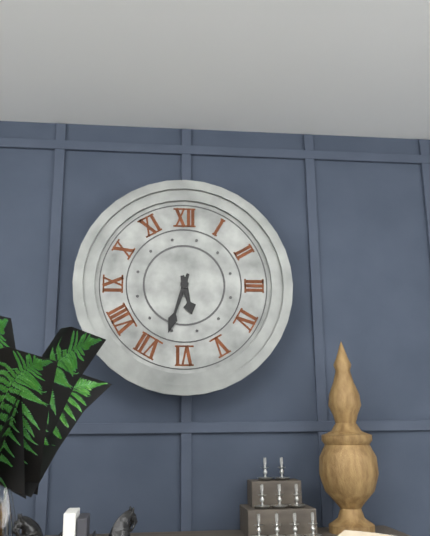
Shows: 5:33
